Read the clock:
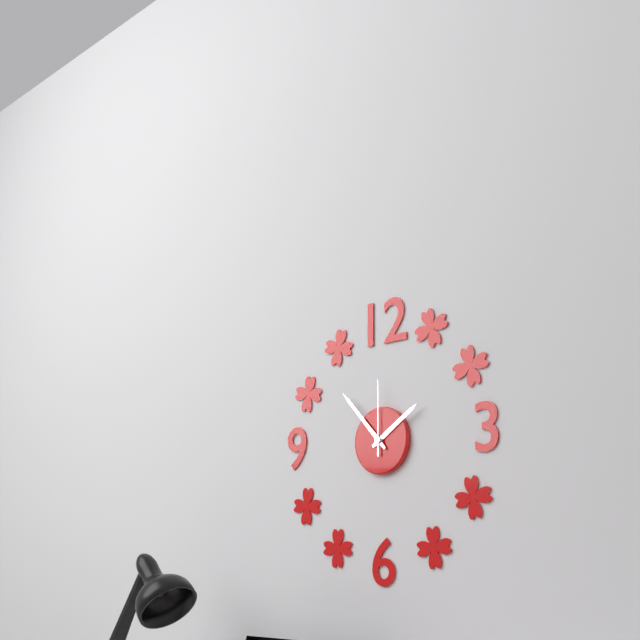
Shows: 1:53:00
